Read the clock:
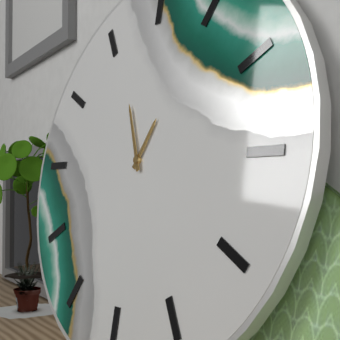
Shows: 12:56
